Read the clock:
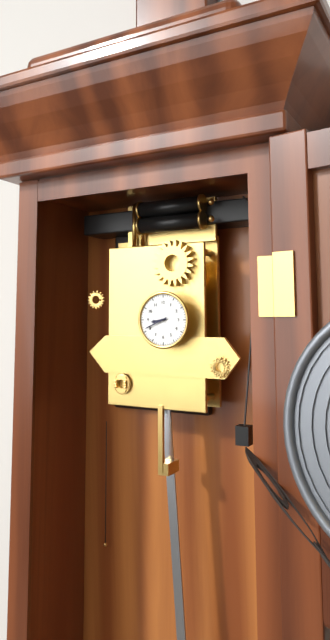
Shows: 8:41
